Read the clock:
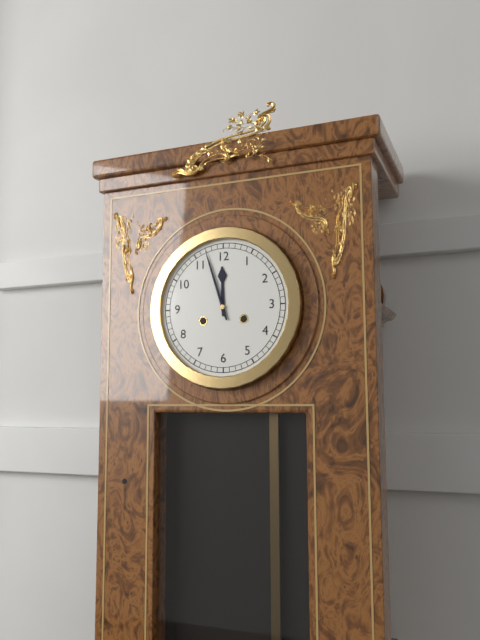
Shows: 11:57
